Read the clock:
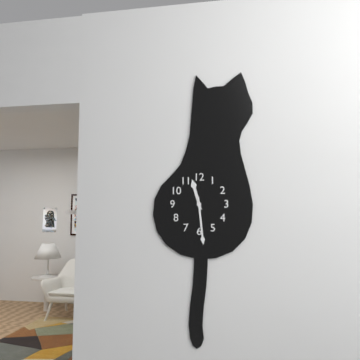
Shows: 11:29
